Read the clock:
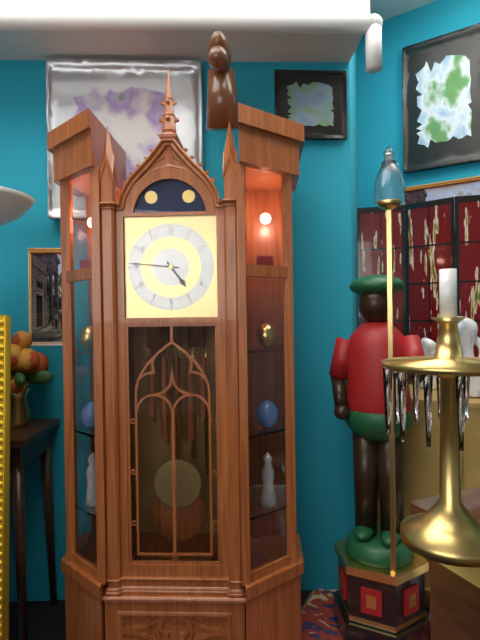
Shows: 4:46
